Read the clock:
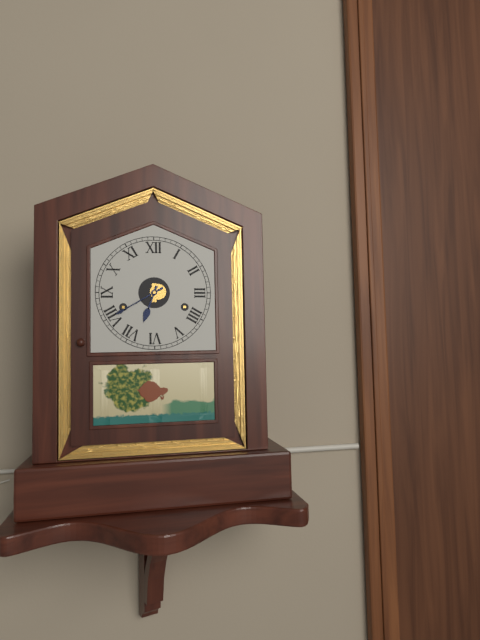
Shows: 6:40
